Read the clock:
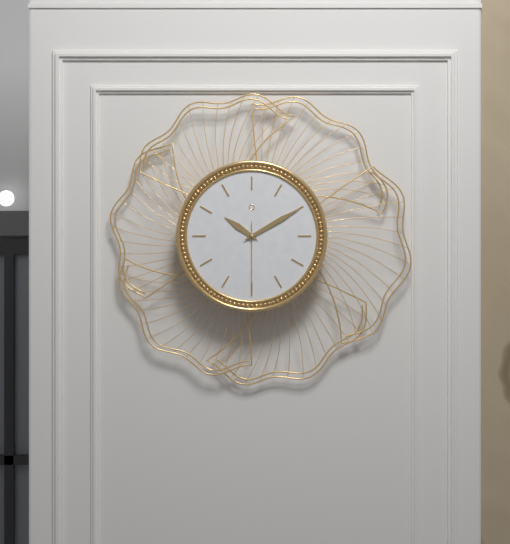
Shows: 10:10:30
